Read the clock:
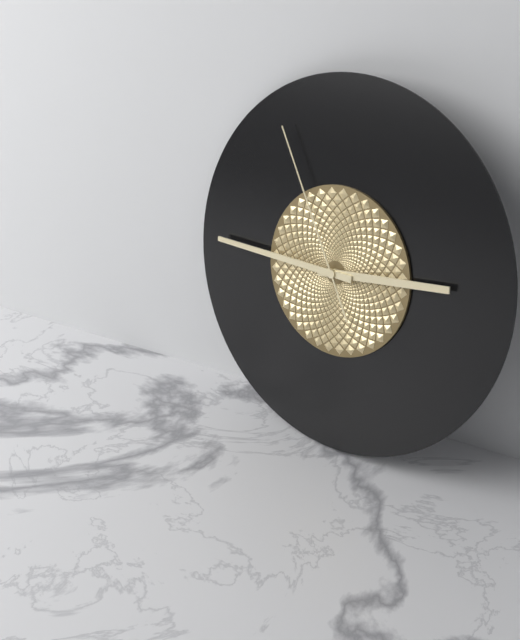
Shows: 2:45:55
